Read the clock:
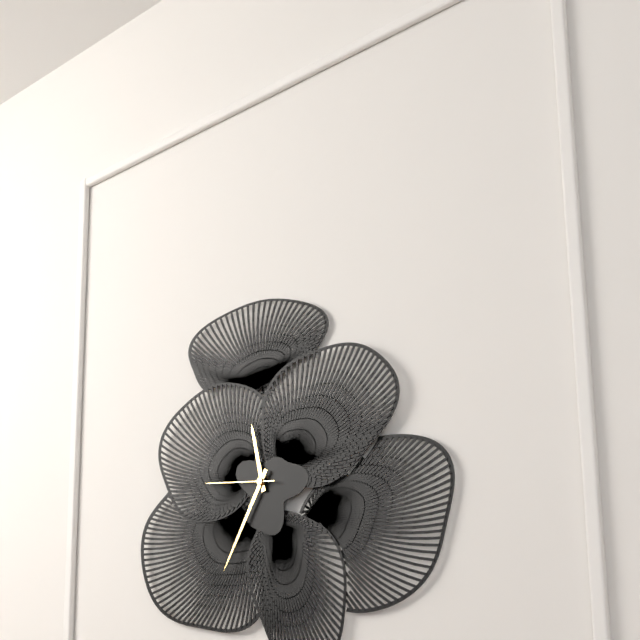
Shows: 11:35:46
